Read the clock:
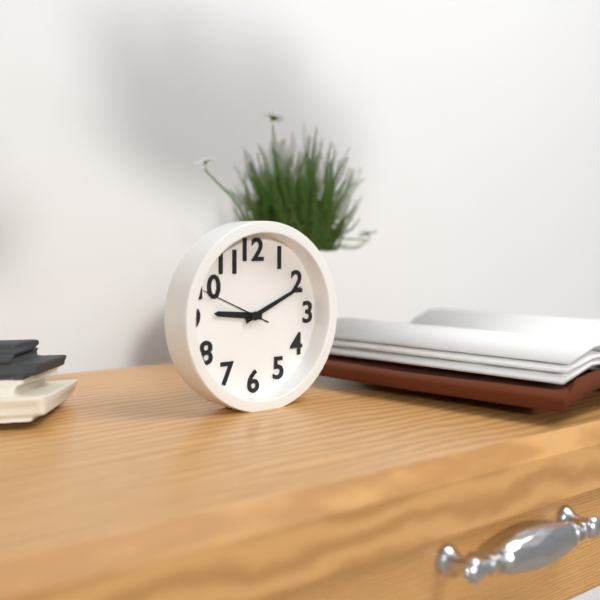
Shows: 9:11:49
